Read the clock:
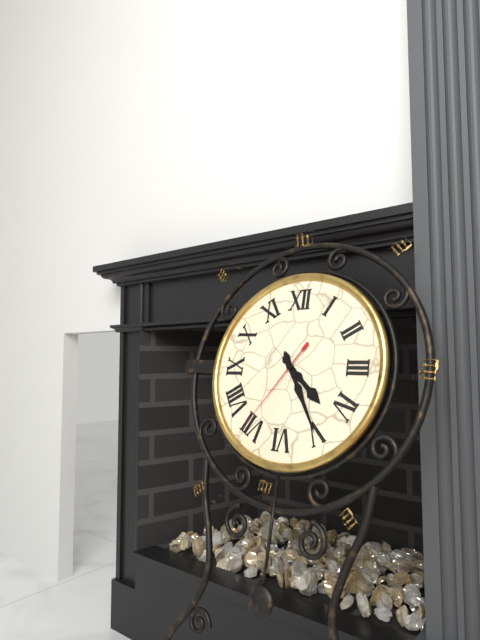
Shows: 4:25:36
